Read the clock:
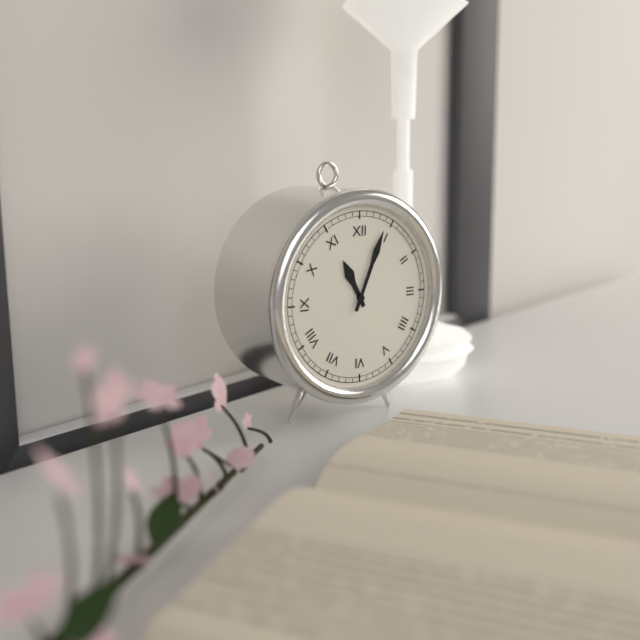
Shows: 11:04
